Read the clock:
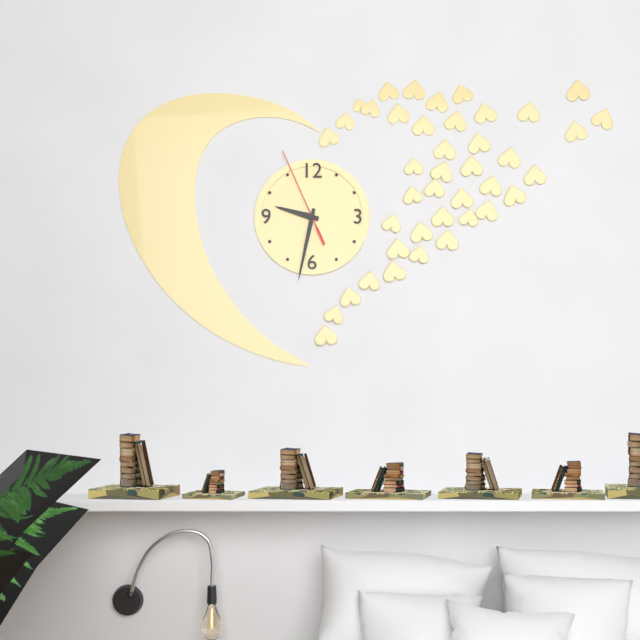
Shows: 9:32:56
